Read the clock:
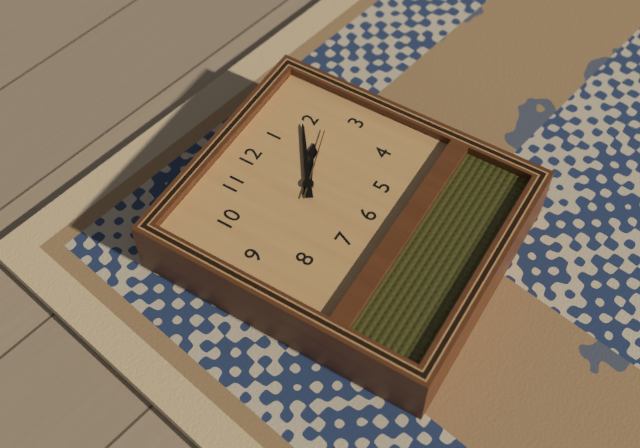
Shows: 2:09:12
